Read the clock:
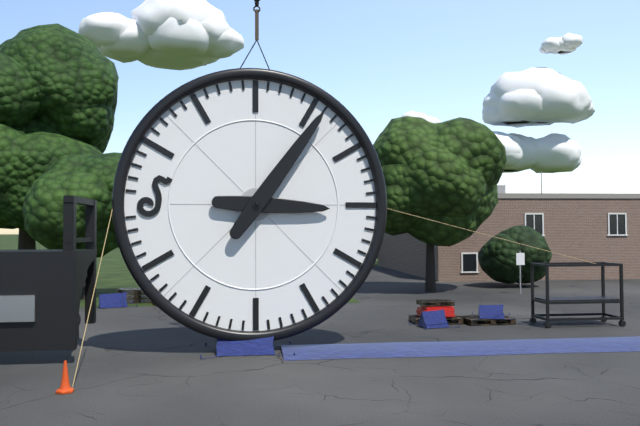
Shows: 3:06
